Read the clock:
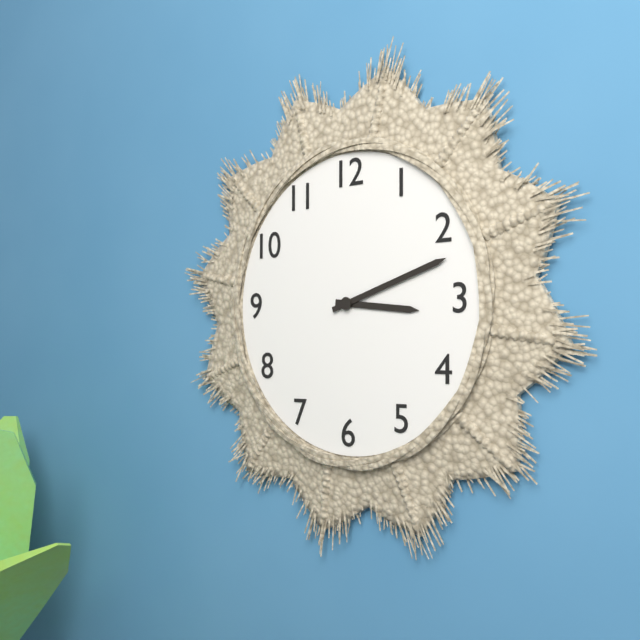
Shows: 3:12
